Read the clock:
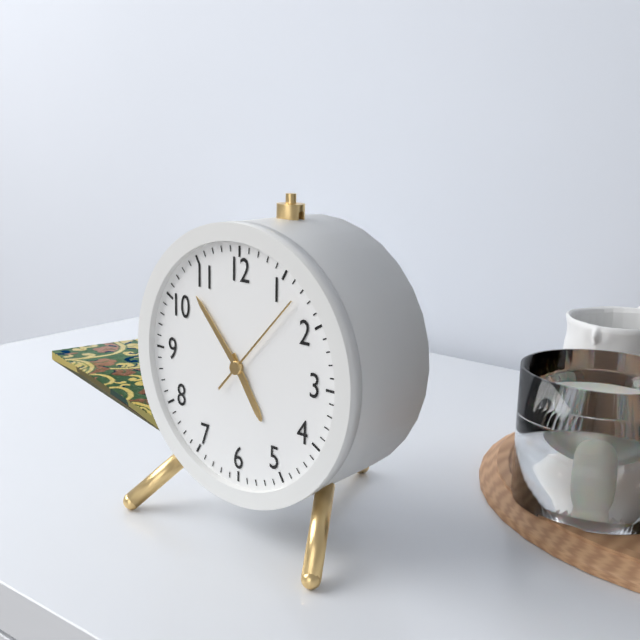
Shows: 4:53:07
